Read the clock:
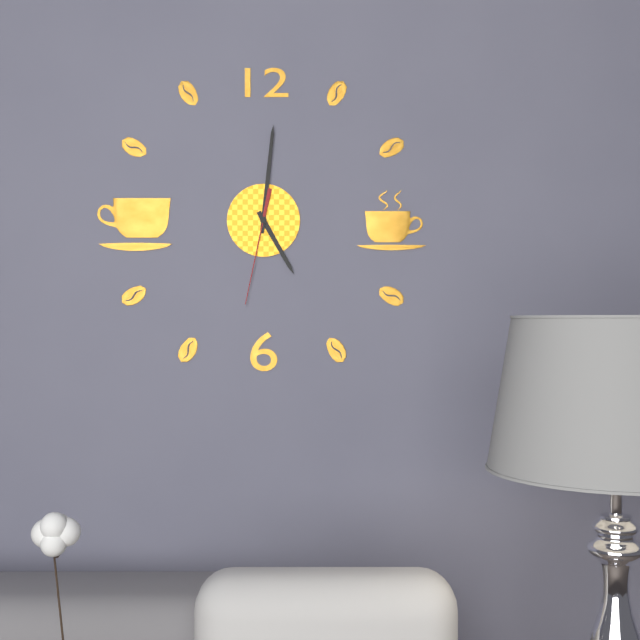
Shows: 5:01:32
